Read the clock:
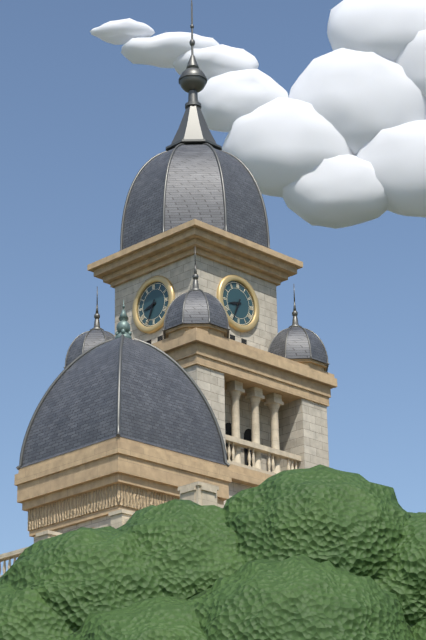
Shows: 8:34
